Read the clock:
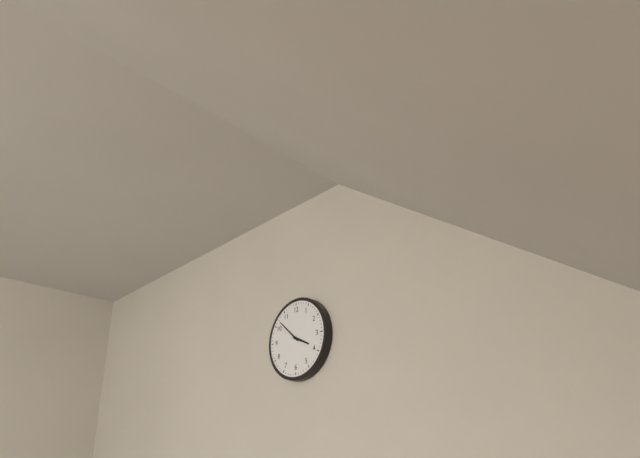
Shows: 3:52
